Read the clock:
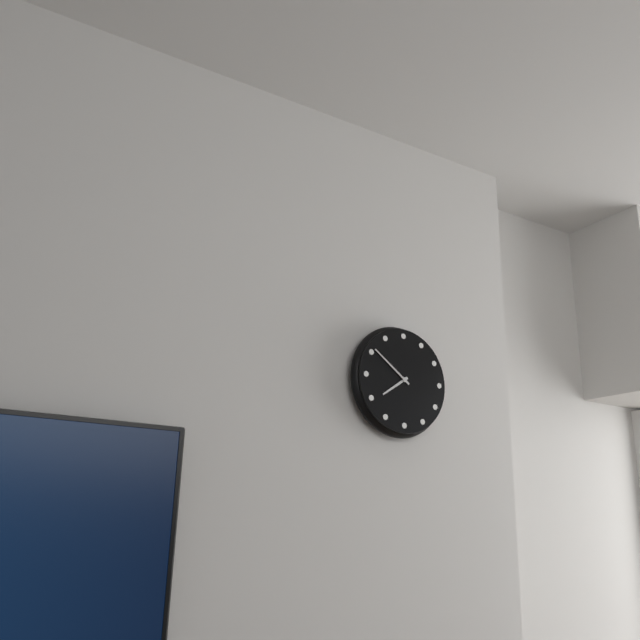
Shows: 7:51
